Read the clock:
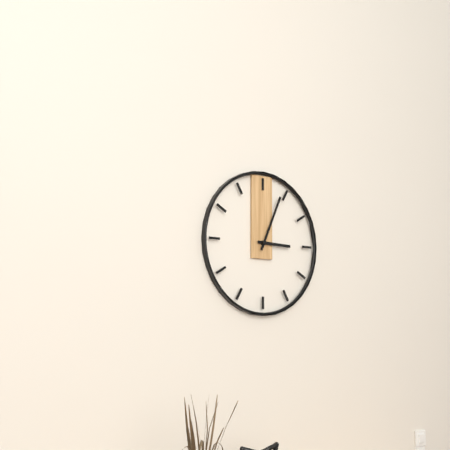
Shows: 3:04
